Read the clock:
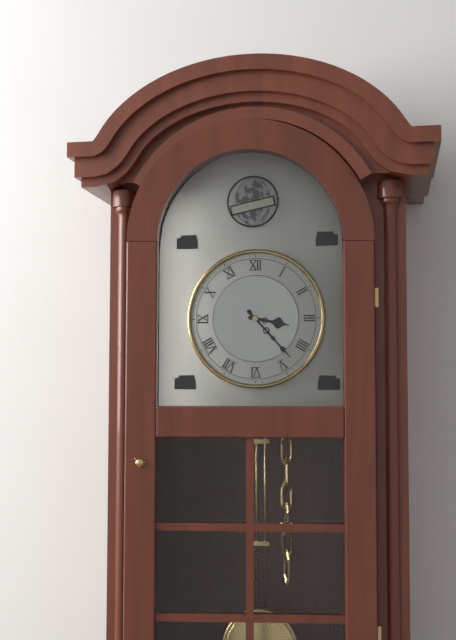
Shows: 3:23
